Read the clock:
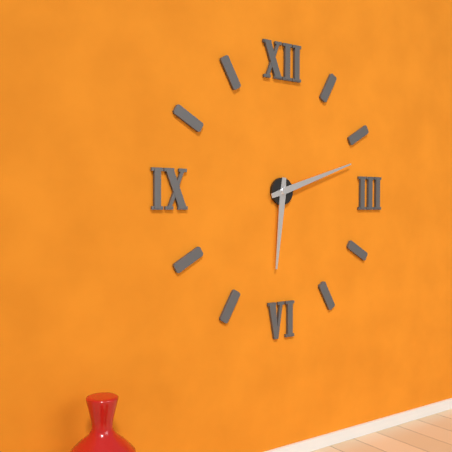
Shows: 6:12
